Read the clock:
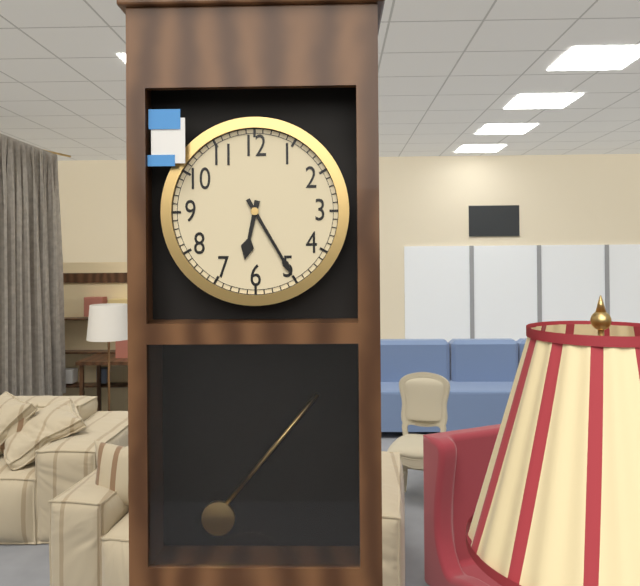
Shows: 6:25
